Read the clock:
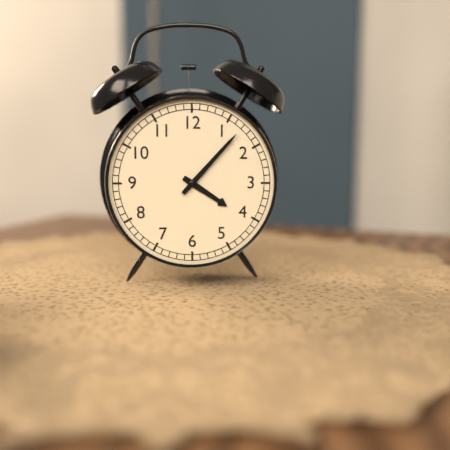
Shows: 4:07
